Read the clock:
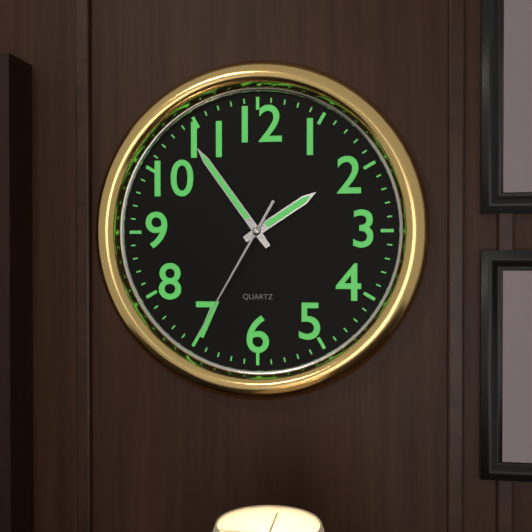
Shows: 1:54:35
